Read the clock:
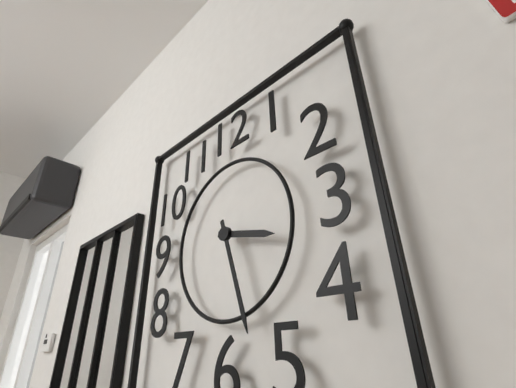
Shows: 3:27
